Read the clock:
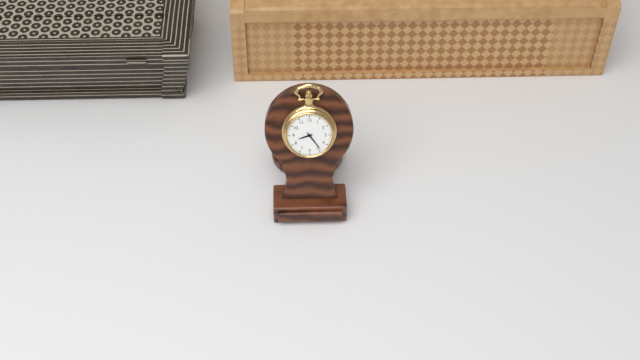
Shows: 8:24
